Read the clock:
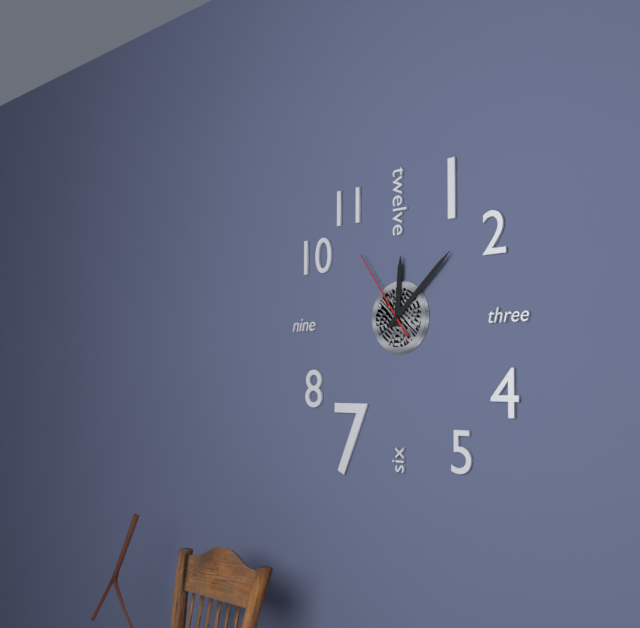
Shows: 12:08:54
